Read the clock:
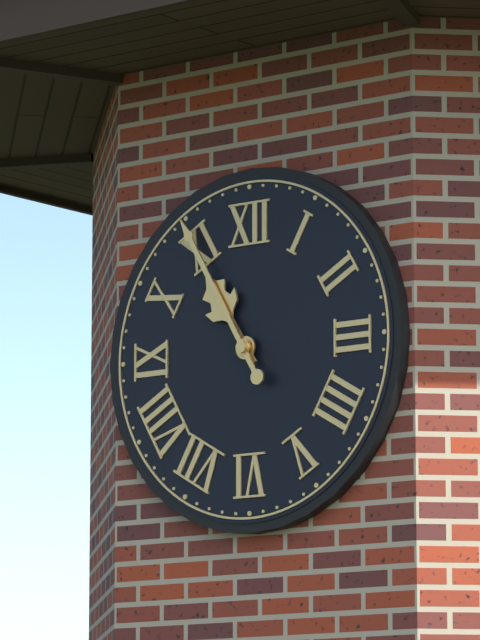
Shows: 10:55
